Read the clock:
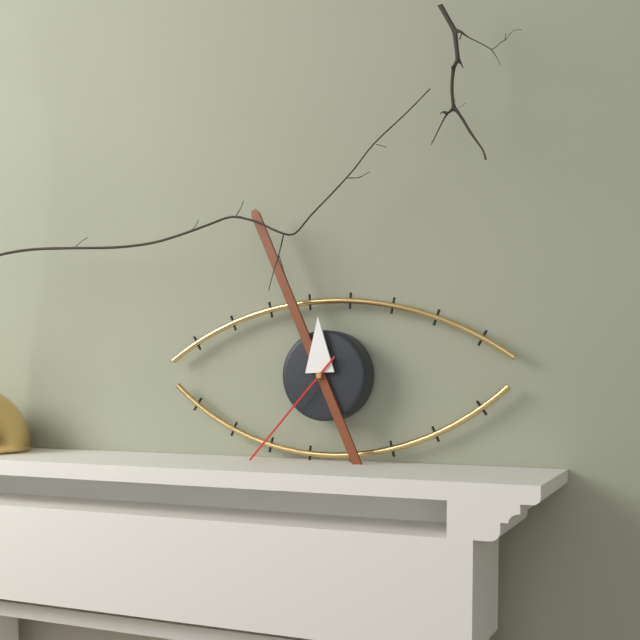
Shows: 11:56:37
